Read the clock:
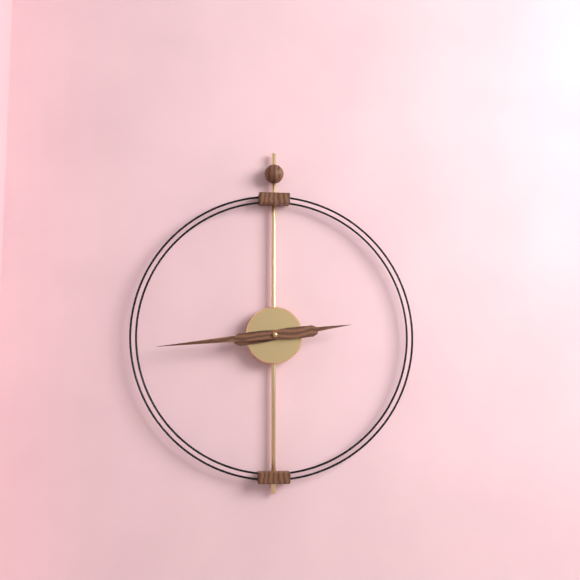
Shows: 2:44
